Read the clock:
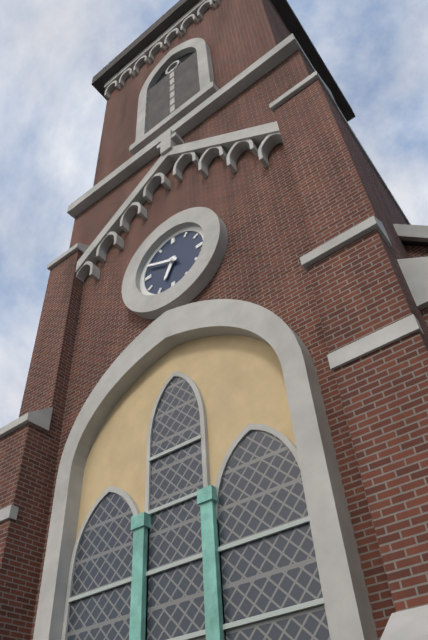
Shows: 6:49
